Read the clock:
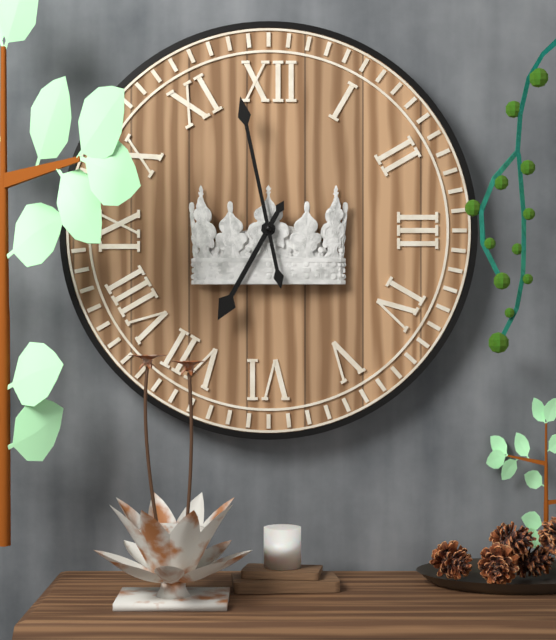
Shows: 6:58
